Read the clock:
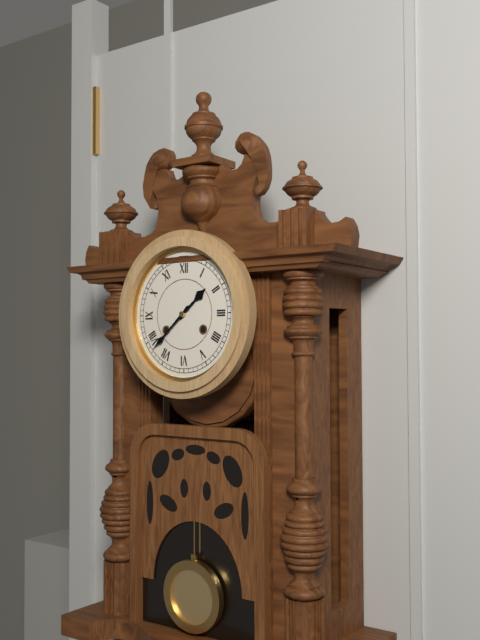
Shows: 1:38
